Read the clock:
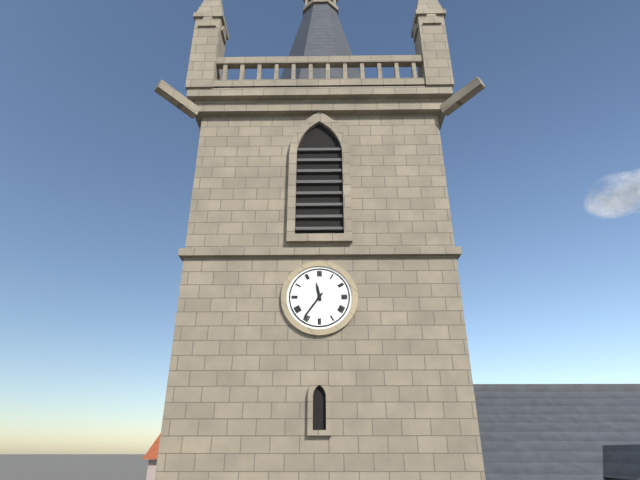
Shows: 11:36
